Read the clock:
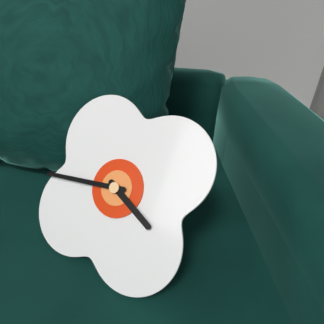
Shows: 3:43
